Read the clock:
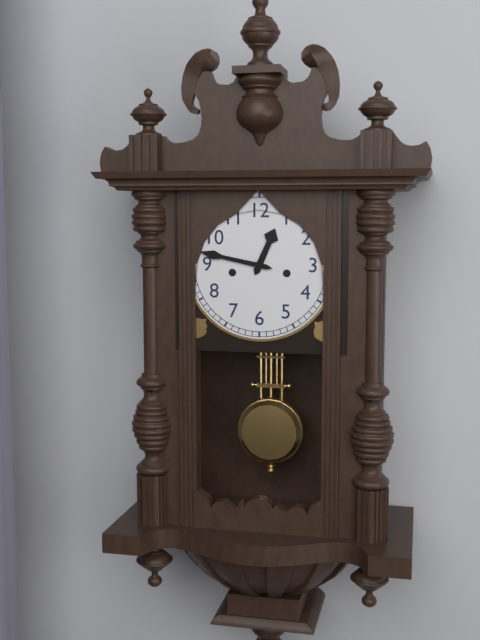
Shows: 12:47
